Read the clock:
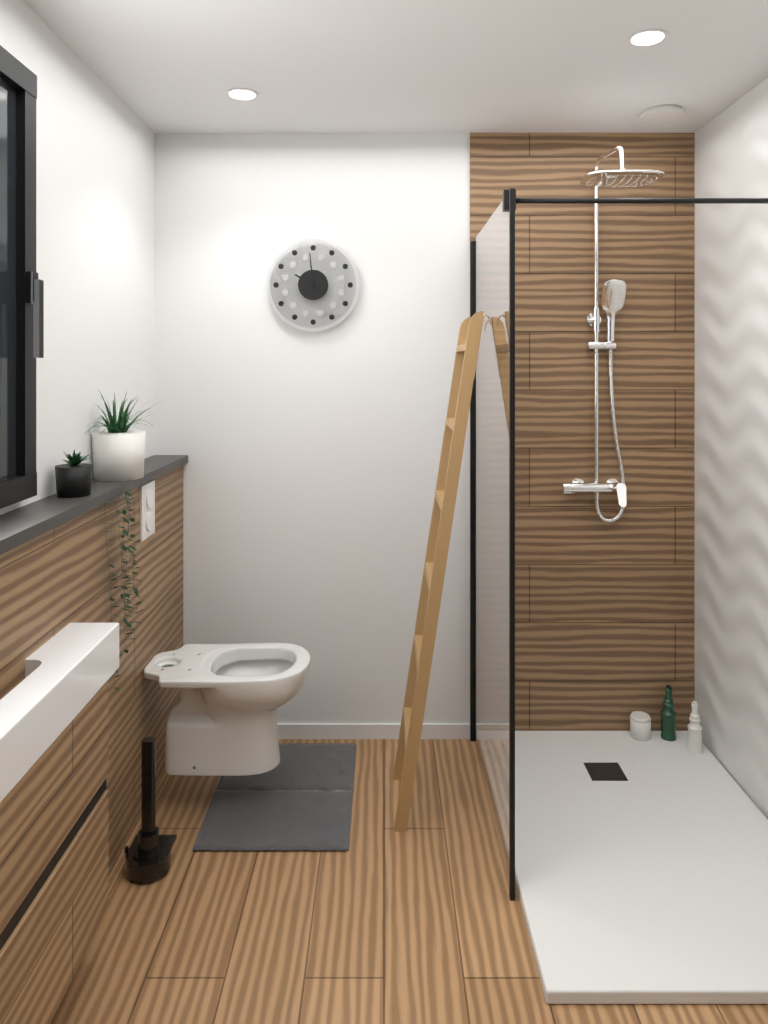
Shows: 9:59
